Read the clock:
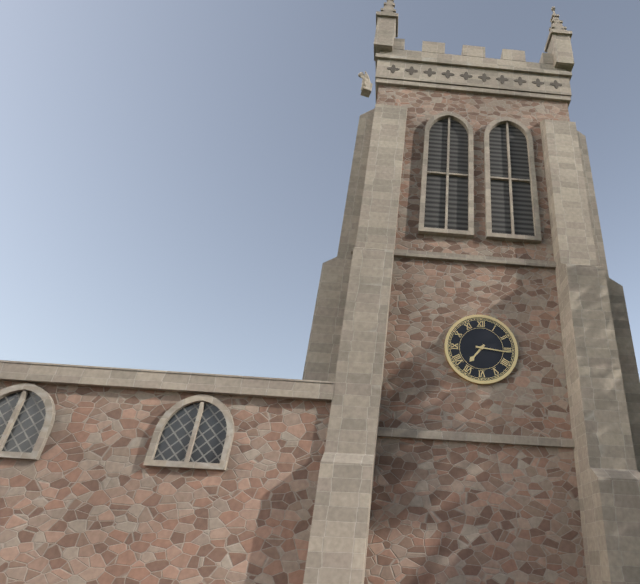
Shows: 7:16
